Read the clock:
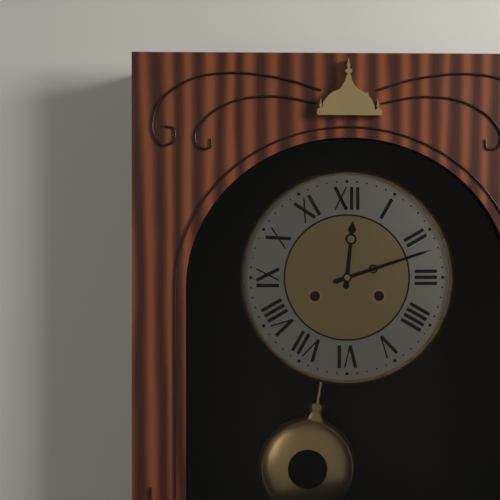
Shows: 12:12
